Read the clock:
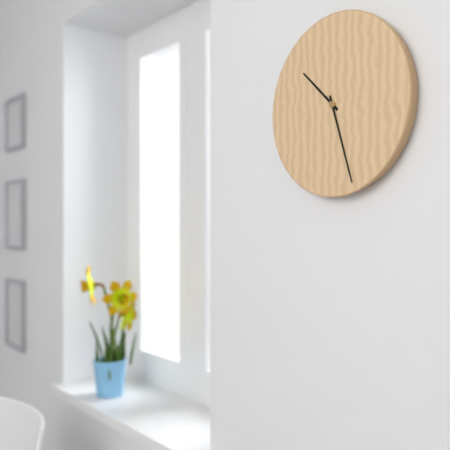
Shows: 10:27
